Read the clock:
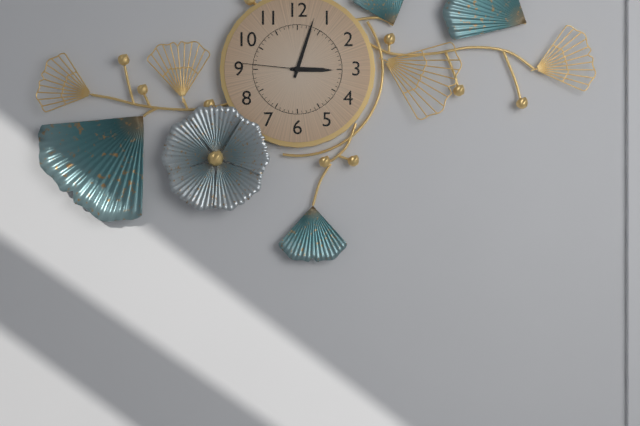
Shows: 3:03:46
